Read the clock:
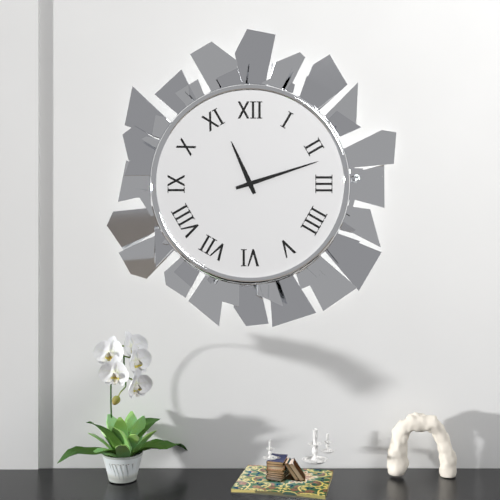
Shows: 11:12
